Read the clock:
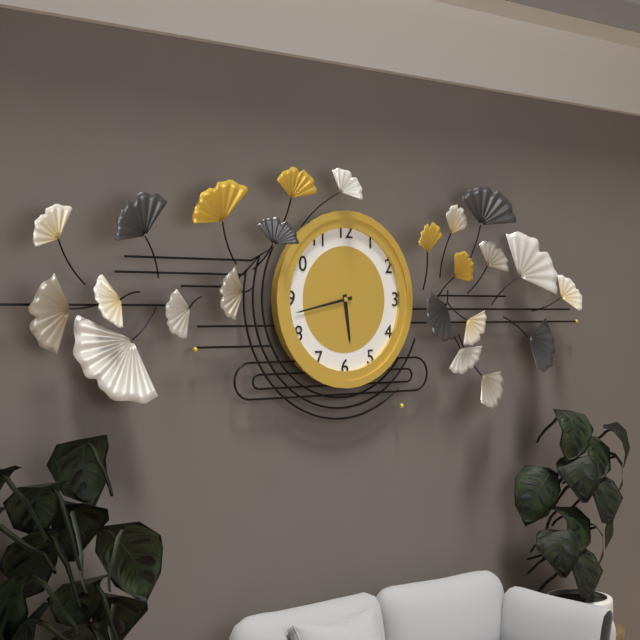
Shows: 5:43
